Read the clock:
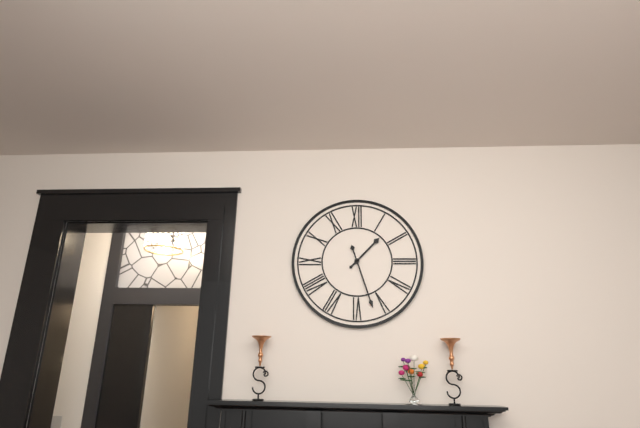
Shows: 1:27
